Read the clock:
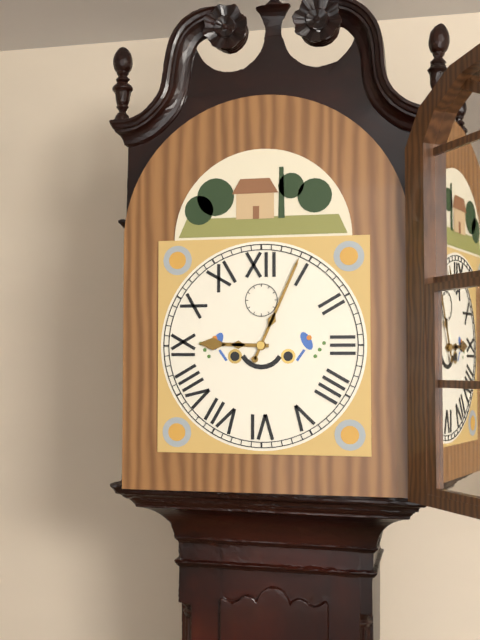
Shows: 9:04
